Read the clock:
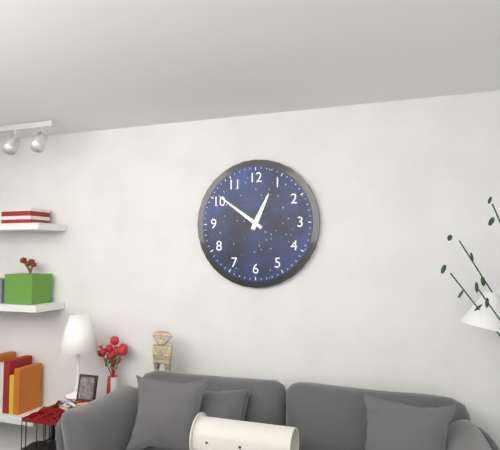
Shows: 12:51
